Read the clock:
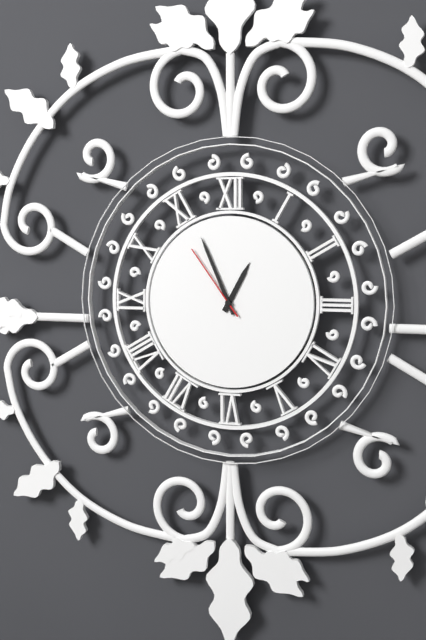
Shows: 12:56:54
